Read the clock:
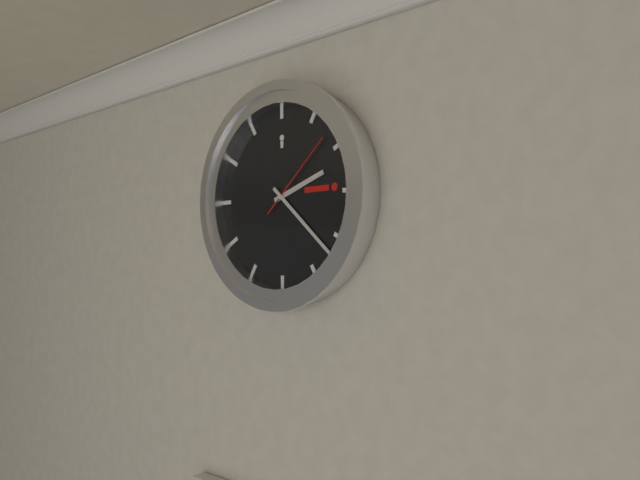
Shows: 2:22:08
